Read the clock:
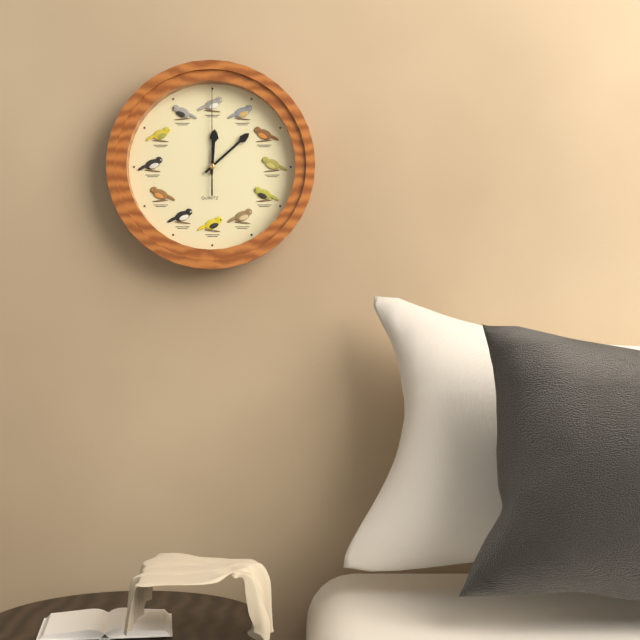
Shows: 12:08:00
